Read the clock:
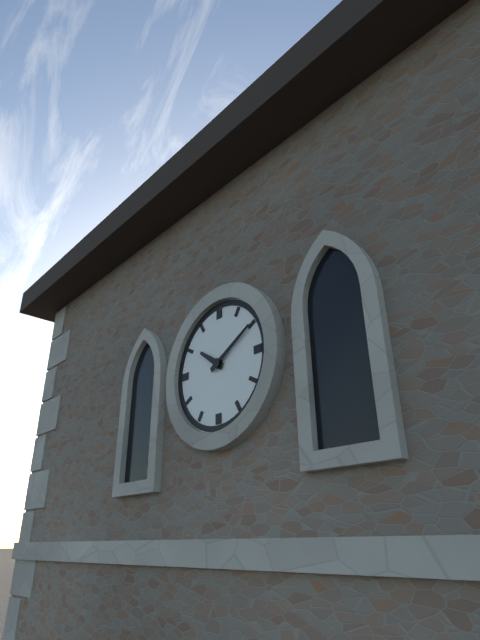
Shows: 10:10
